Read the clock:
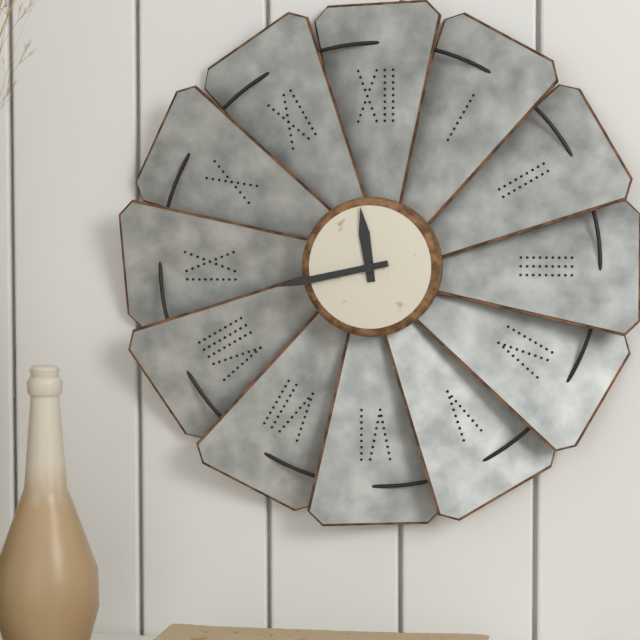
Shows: 11:43
